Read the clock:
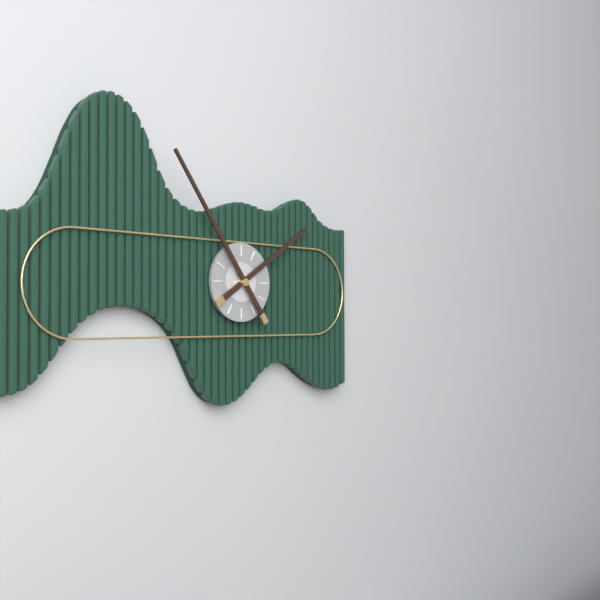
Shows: 1:54
